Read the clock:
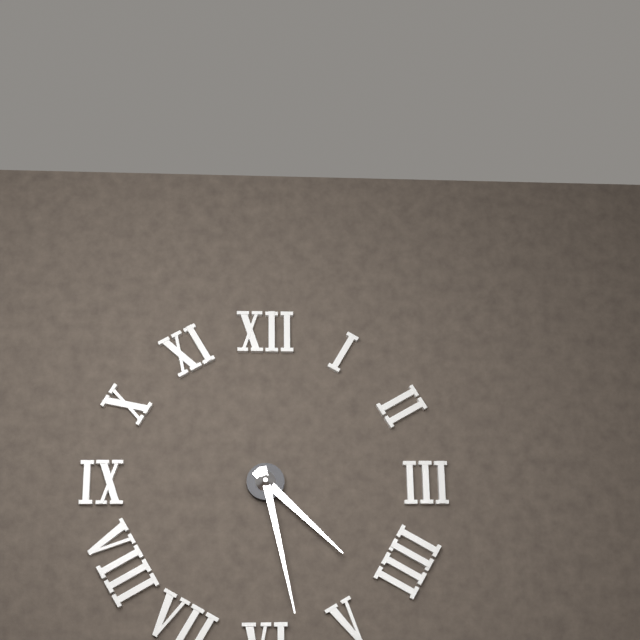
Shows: 4:28
